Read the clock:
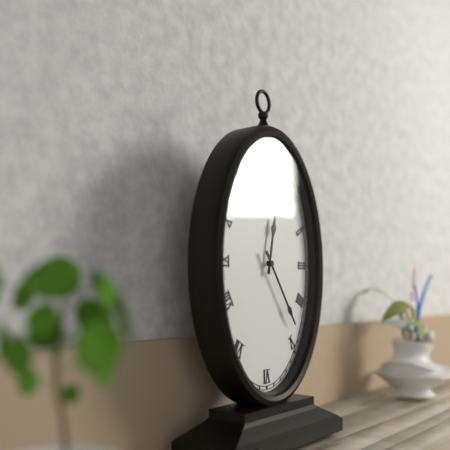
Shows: 12:24
